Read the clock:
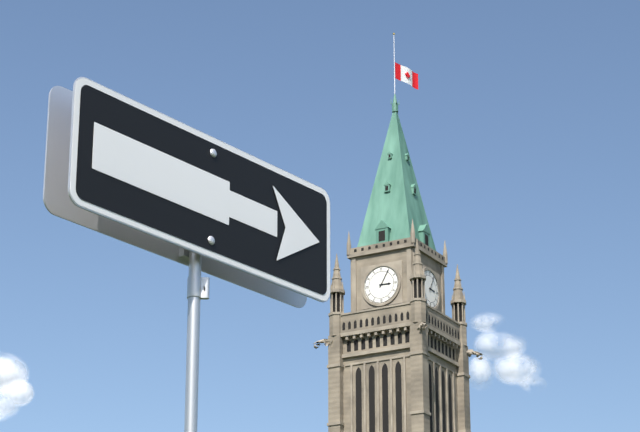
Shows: 3:05
